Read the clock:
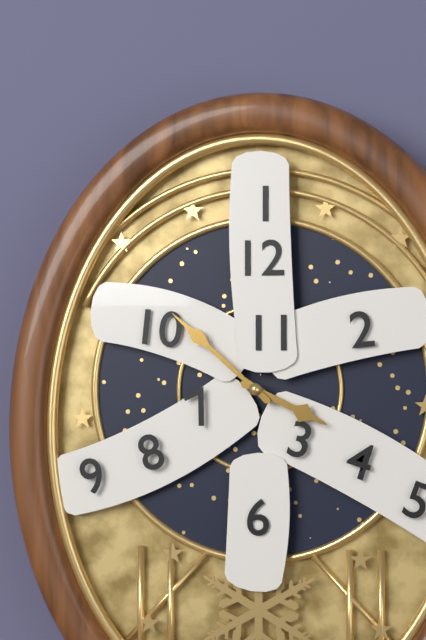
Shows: 3:52
